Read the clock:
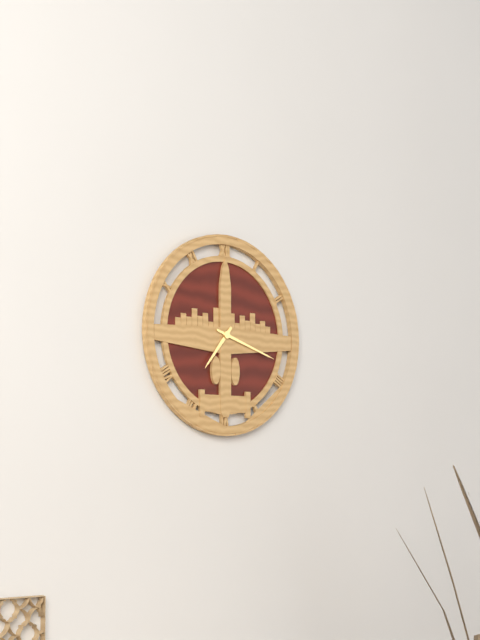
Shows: 7:18
